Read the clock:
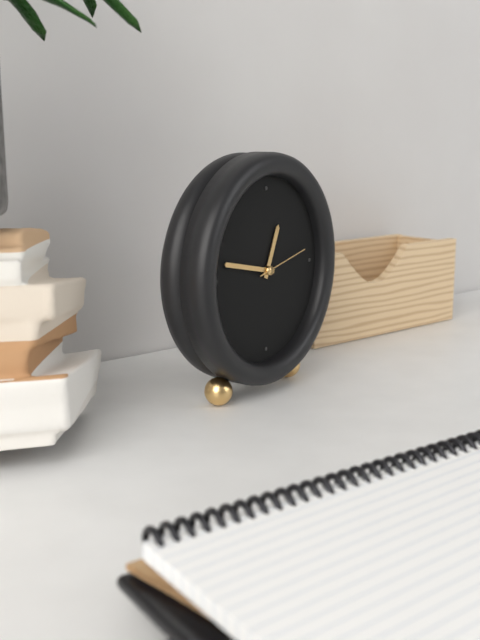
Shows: 12:47:13
